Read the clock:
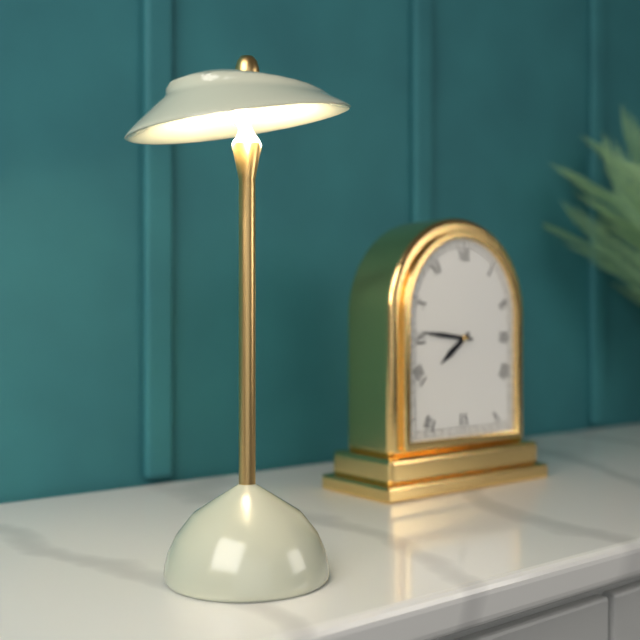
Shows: 7:46
